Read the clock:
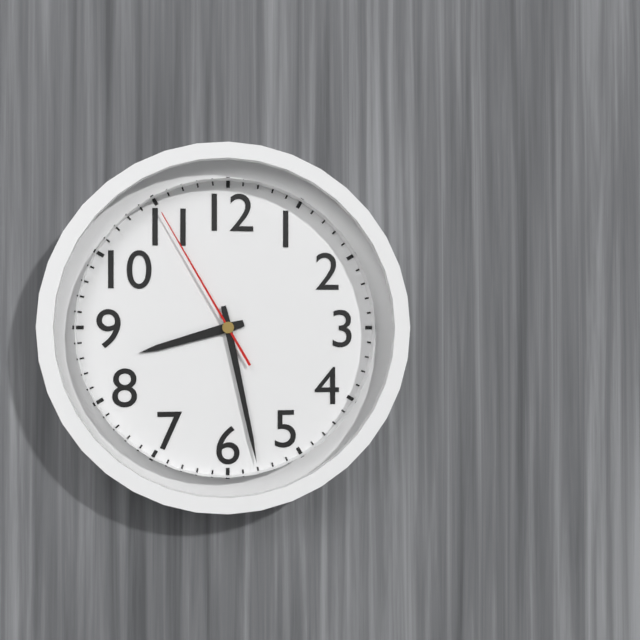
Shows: 8:28:55
